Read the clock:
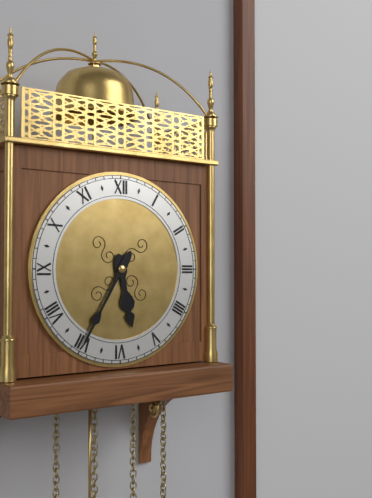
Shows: 5:35
